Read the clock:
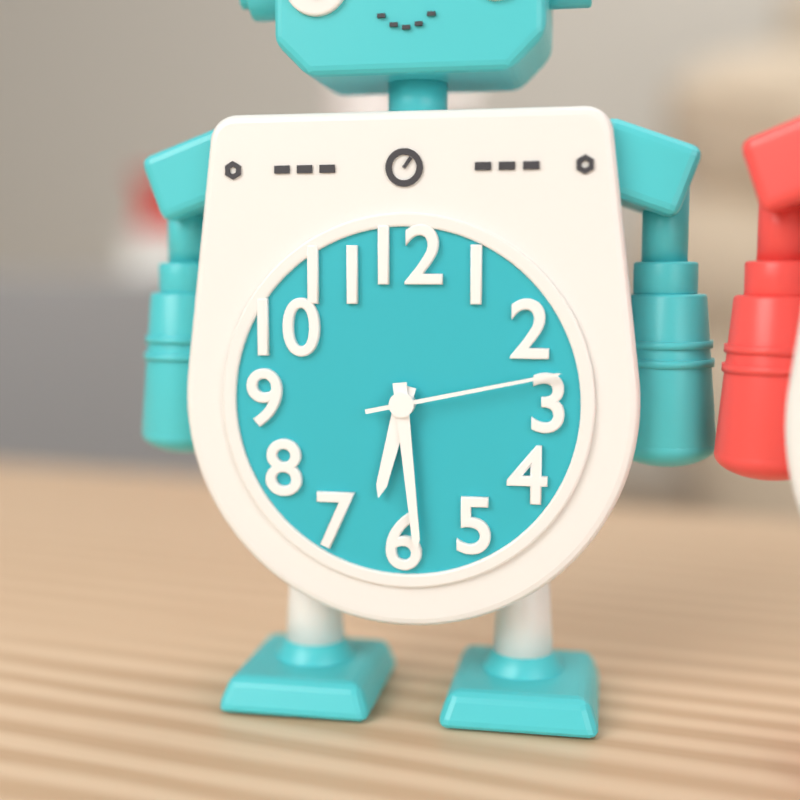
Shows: 6:29:13
